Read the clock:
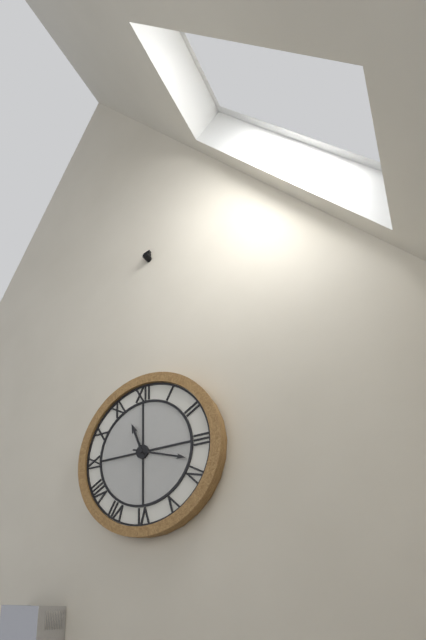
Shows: 11:18
